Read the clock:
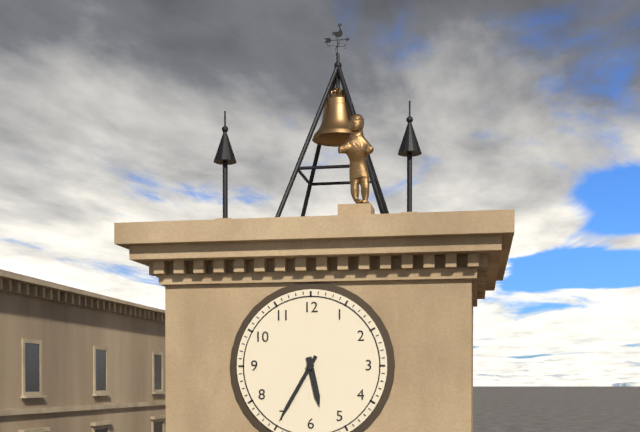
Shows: 5:35
